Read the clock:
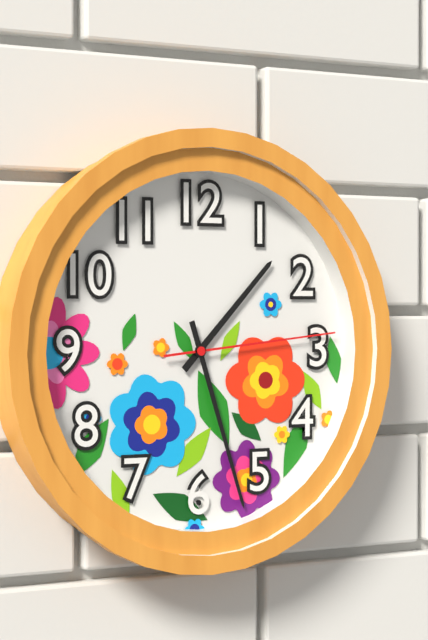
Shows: 1:27:14
